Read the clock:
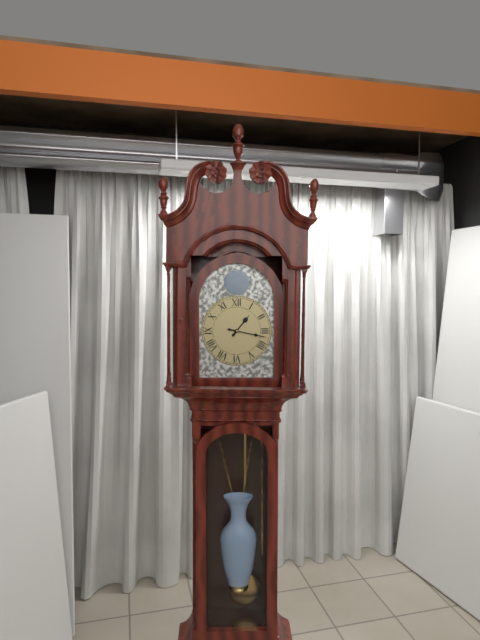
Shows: 1:17
